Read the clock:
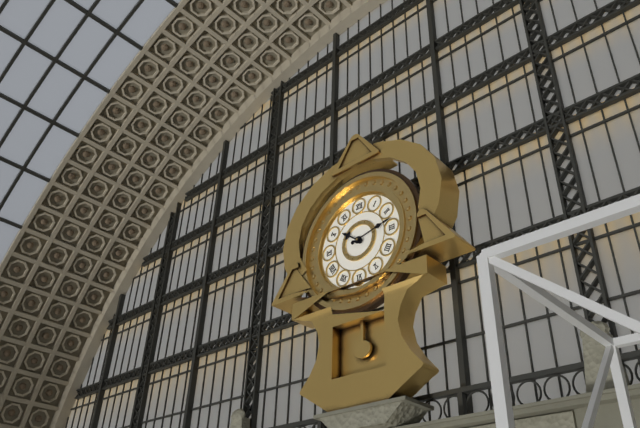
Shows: 10:13
